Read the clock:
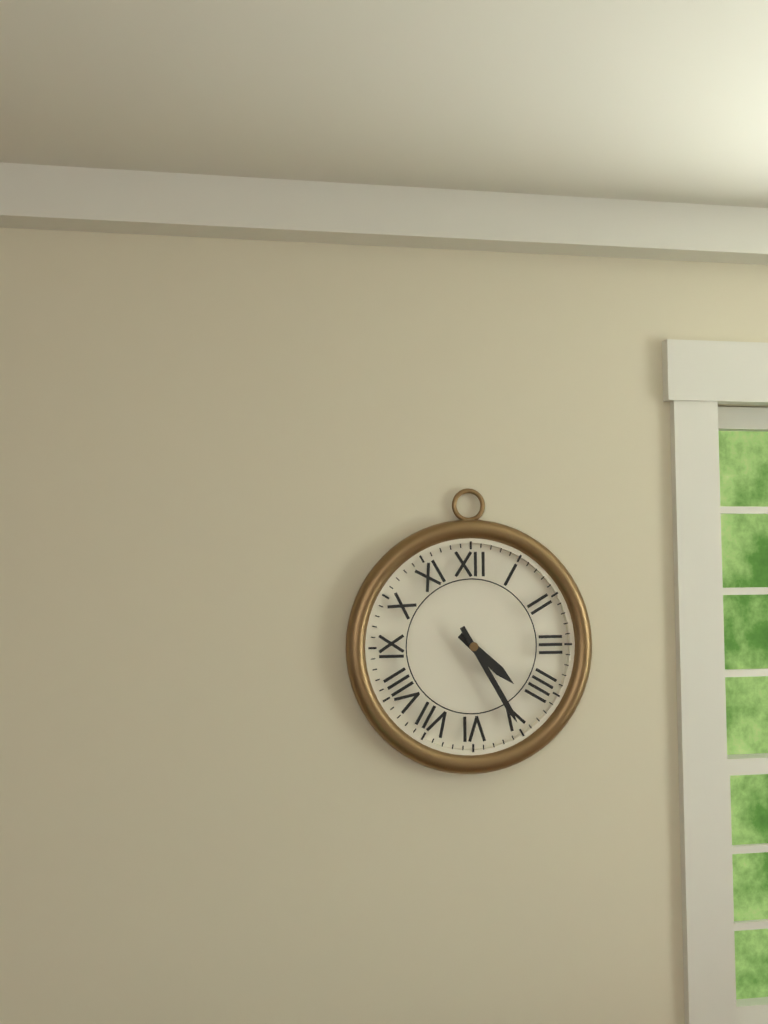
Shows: 4:25
